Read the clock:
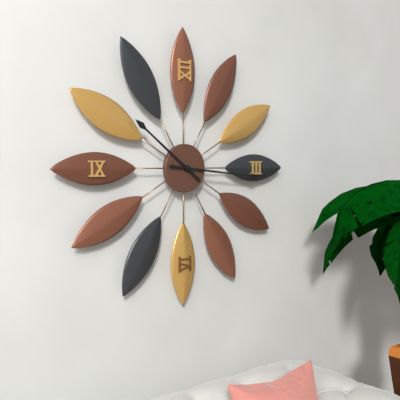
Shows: 10:16
